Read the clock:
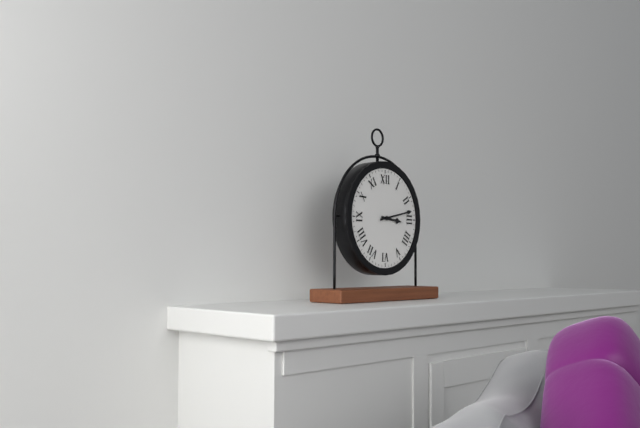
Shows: 3:13
